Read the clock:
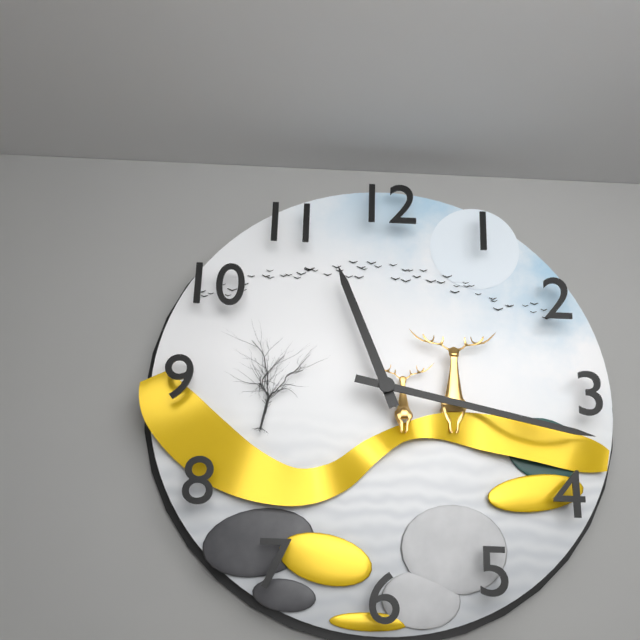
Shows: 11:17
